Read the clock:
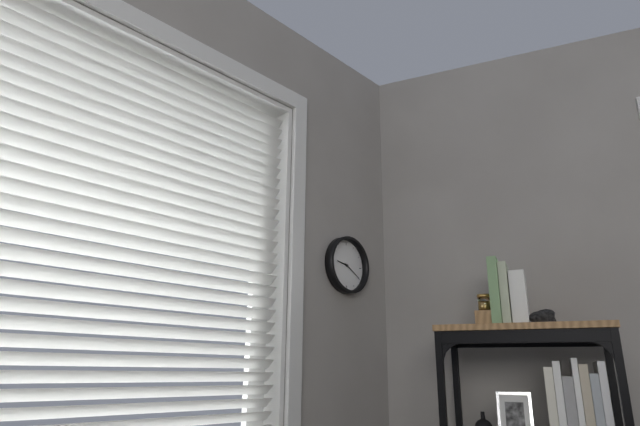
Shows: 9:20
